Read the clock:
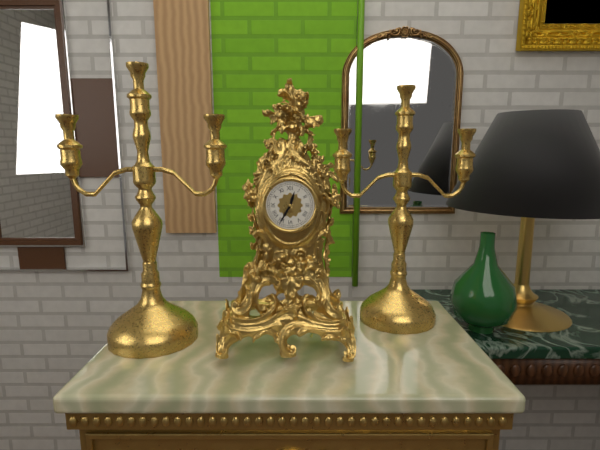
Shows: 12:35
